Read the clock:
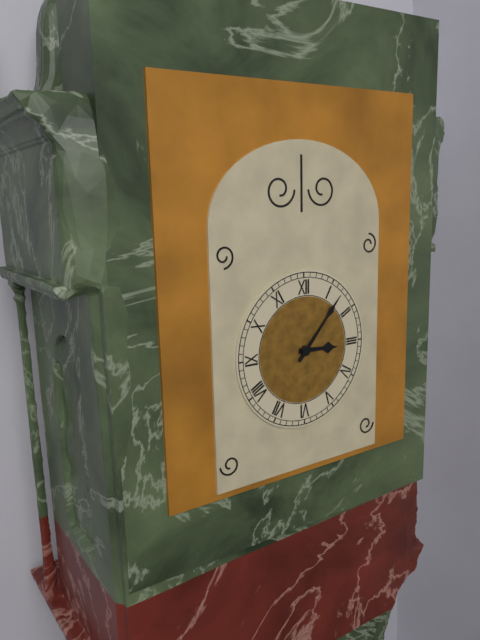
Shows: 3:07
